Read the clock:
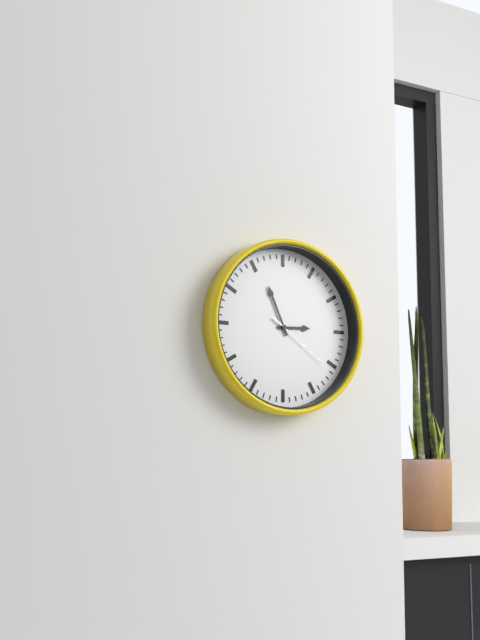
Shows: 2:56:21
